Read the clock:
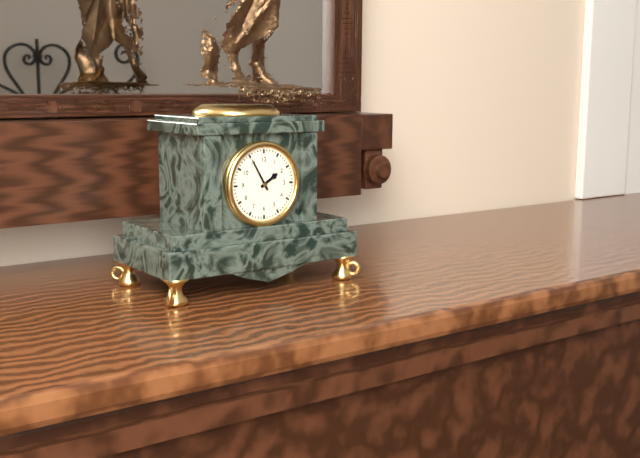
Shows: 1:55
